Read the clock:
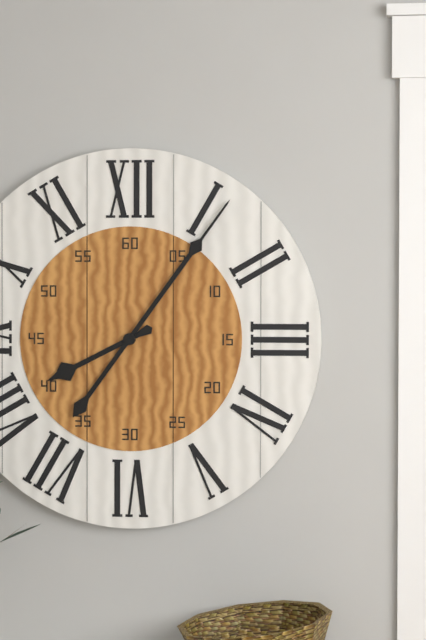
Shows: 8:06
